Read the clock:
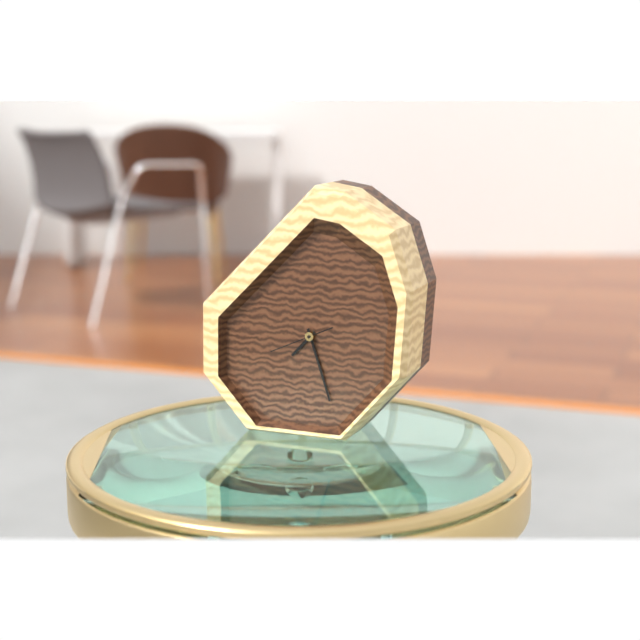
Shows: 7:27:41
